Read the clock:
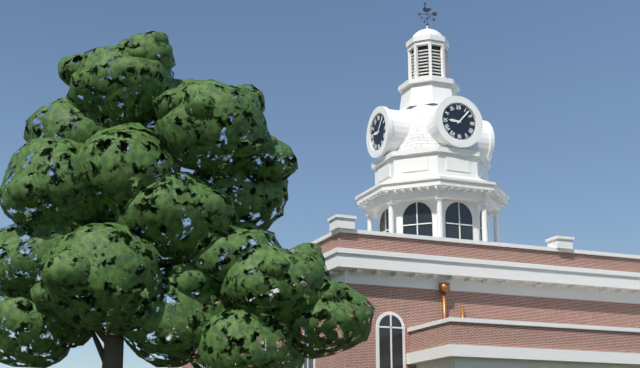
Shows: 9:07
